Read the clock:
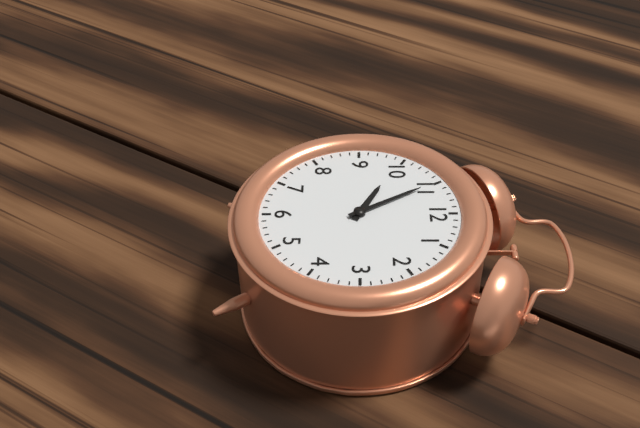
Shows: 9:55
